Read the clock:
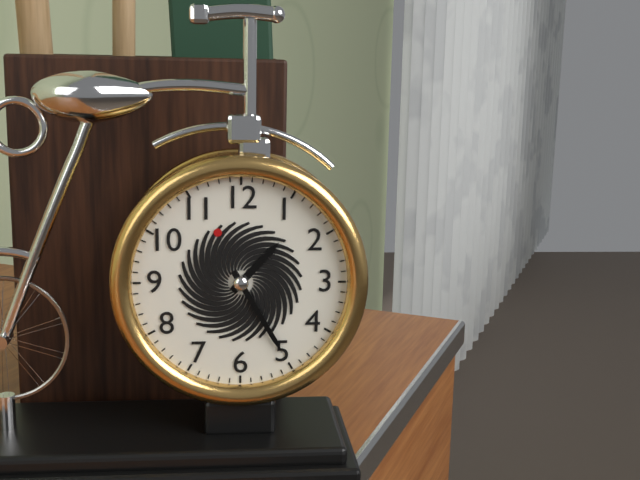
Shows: 1:25
